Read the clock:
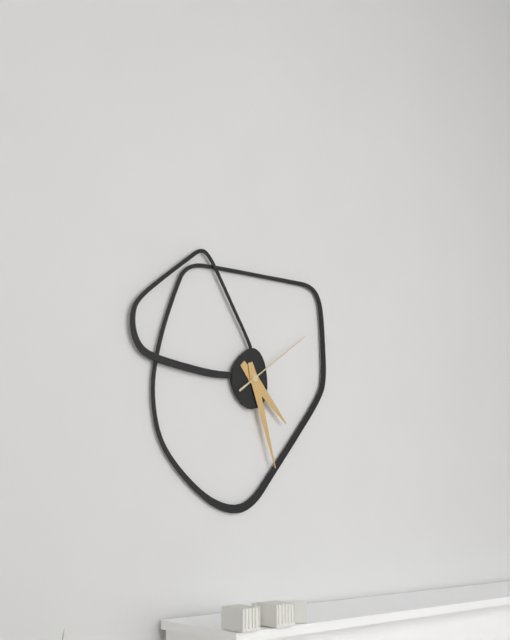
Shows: 4:27:09
